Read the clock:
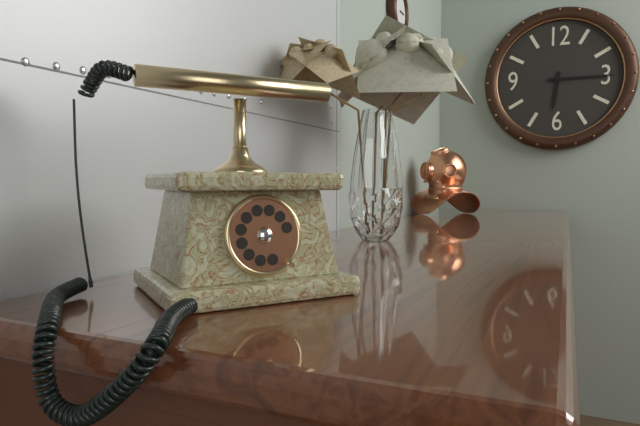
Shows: 6:15
